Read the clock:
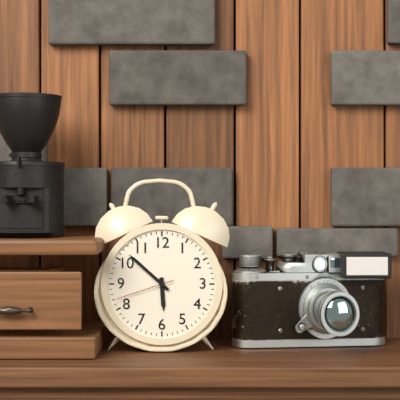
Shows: 5:52:42
